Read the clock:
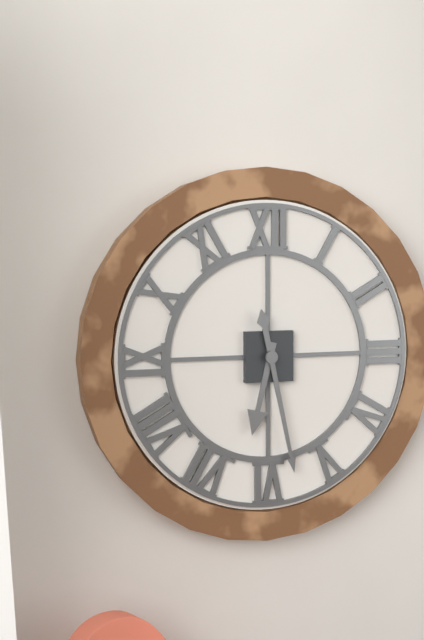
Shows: 6:28
